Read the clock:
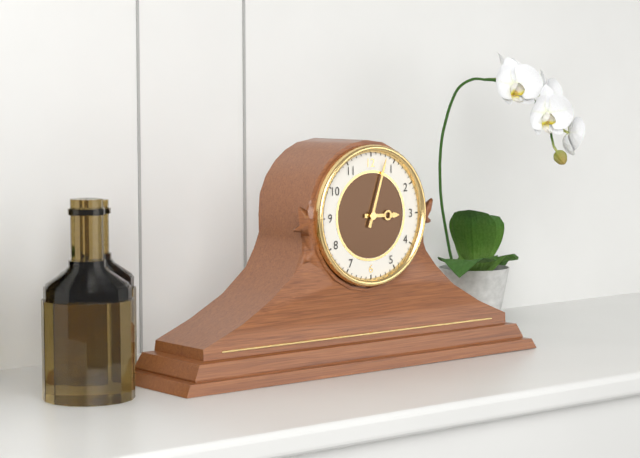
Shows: 3:03
